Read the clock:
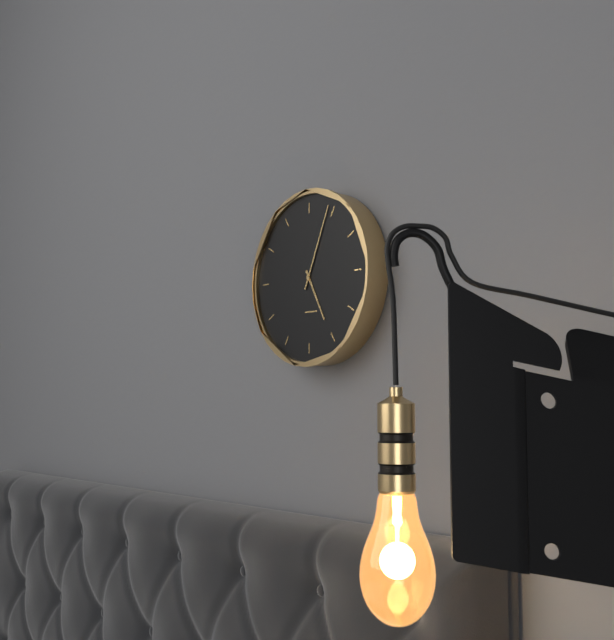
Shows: 5:04
